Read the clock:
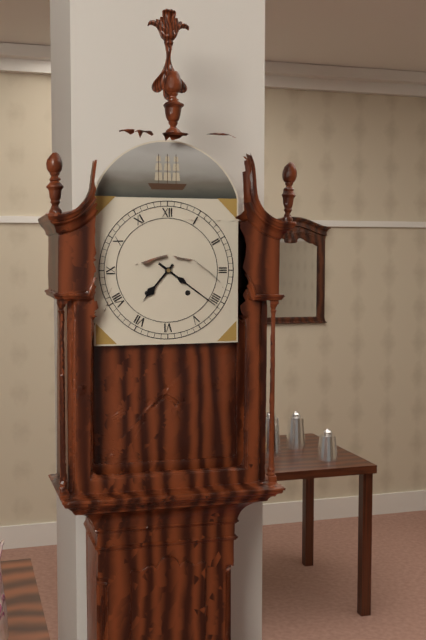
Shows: 7:21
